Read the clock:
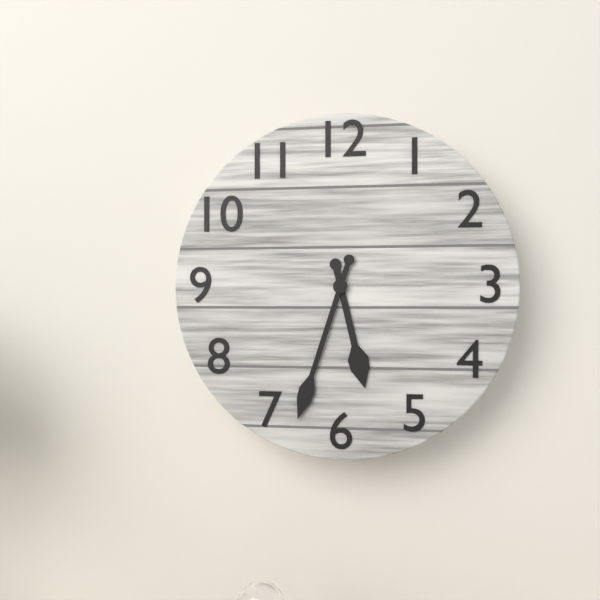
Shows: 5:33
